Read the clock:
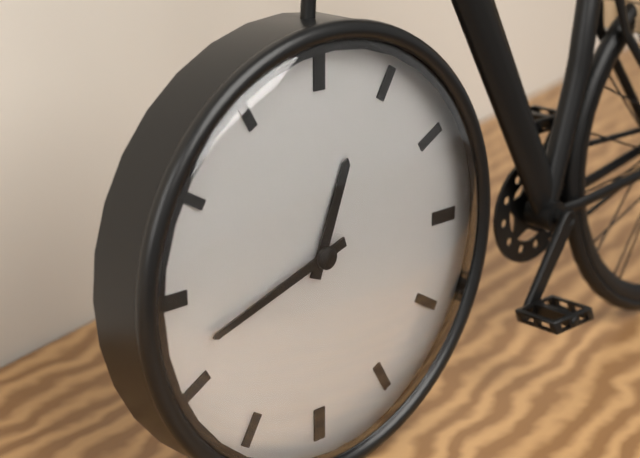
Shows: 12:42
